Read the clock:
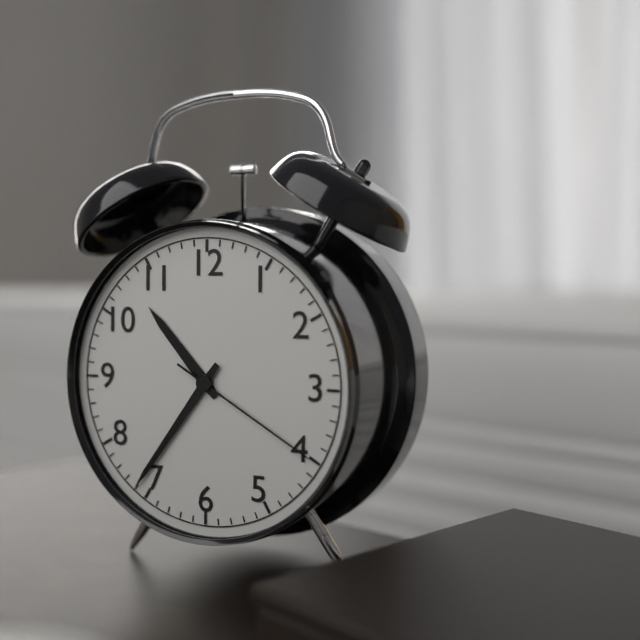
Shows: 10:36:20
